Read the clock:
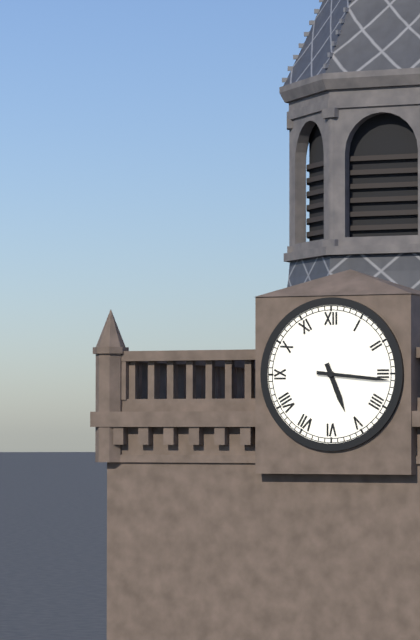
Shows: 5:16
